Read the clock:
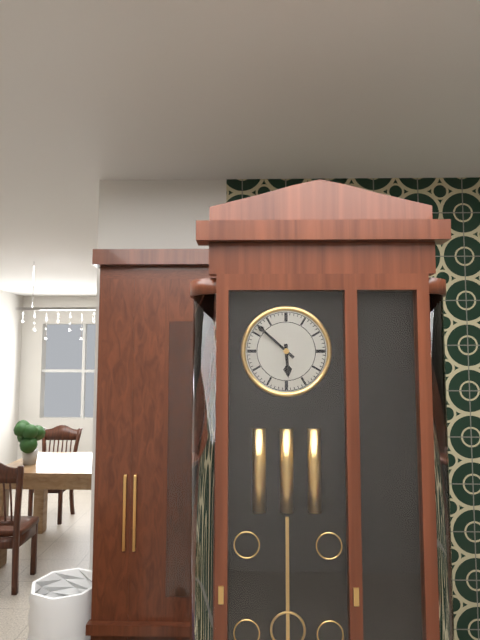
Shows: 5:52
